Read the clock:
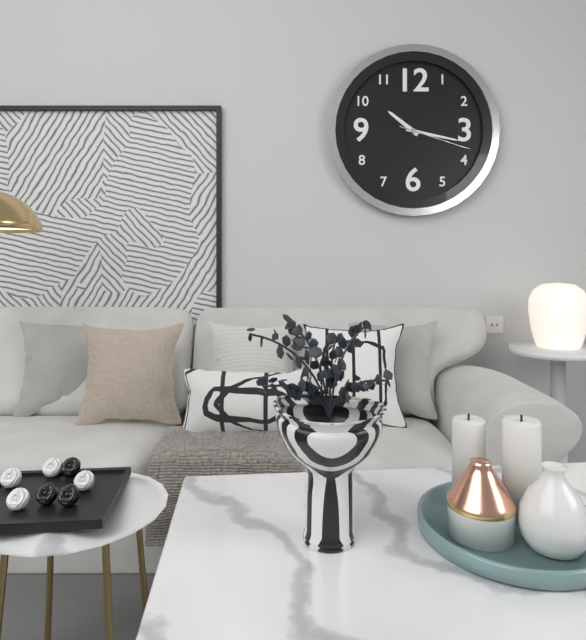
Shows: 10:17:18
